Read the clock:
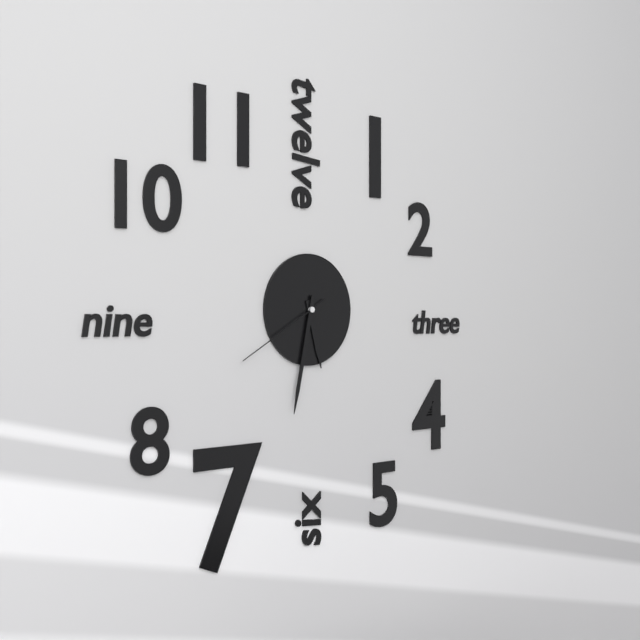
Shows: 5:32:40
